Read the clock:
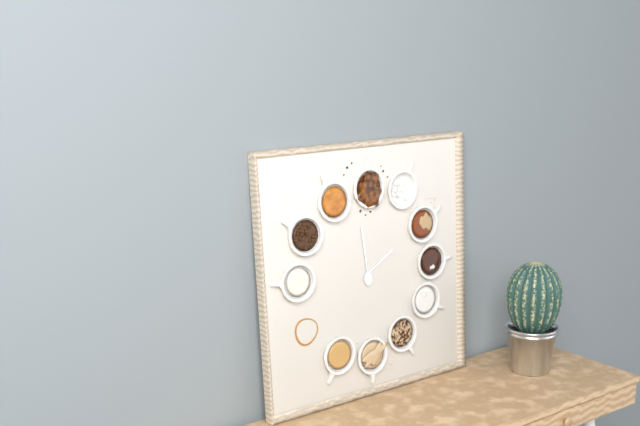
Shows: 1:59
